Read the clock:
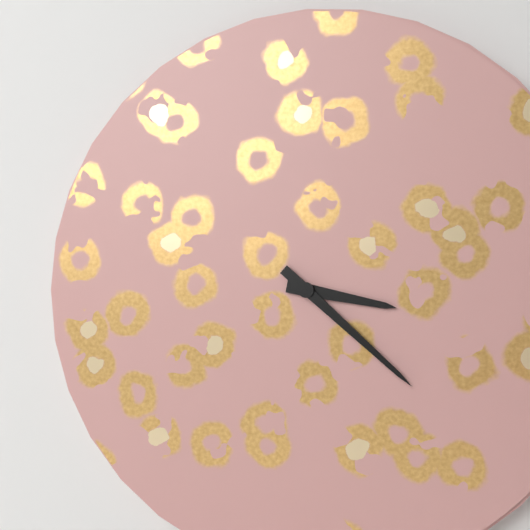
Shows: 3:22
